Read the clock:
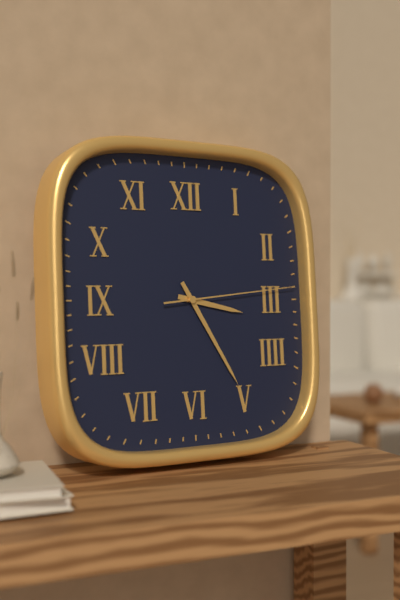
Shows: 3:25:14
